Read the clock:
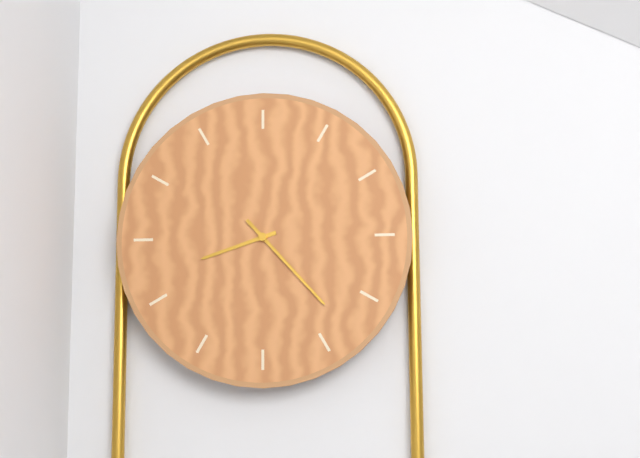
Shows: 8:23
